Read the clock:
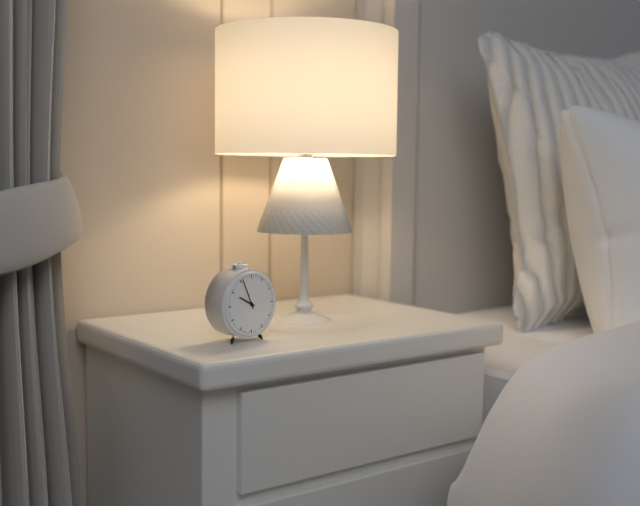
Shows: 9:56
